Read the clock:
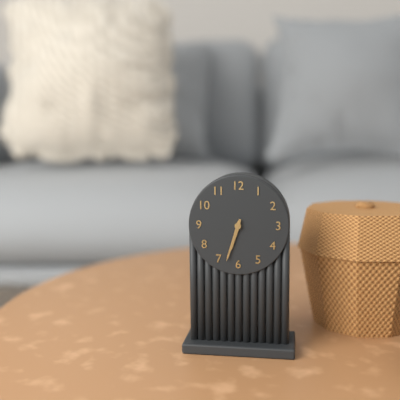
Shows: 6:33
